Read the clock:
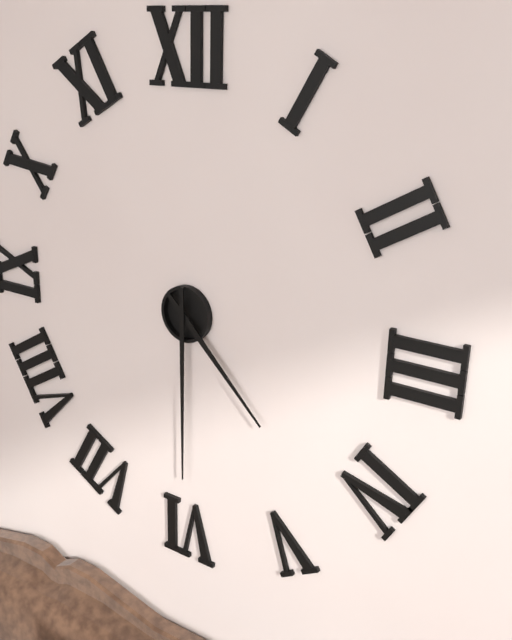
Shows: 4:30
